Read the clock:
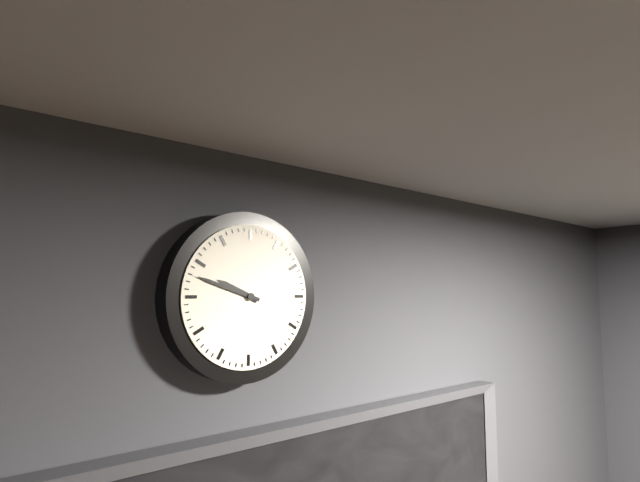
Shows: 9:48
